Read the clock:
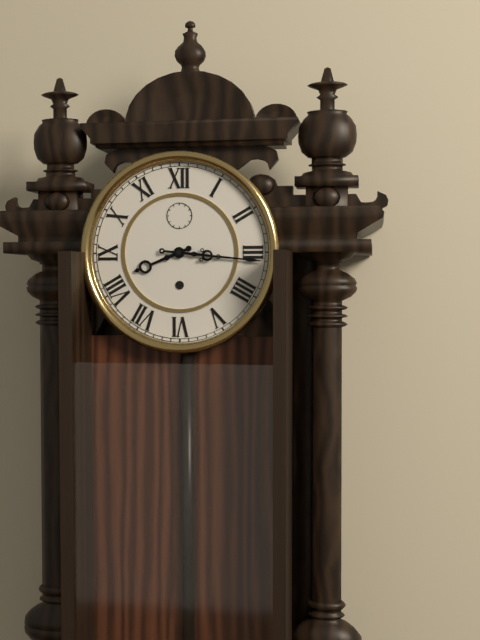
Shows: 8:16
